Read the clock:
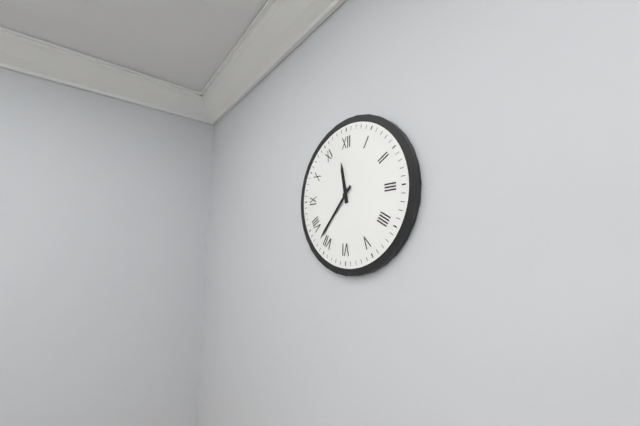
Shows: 11:37
